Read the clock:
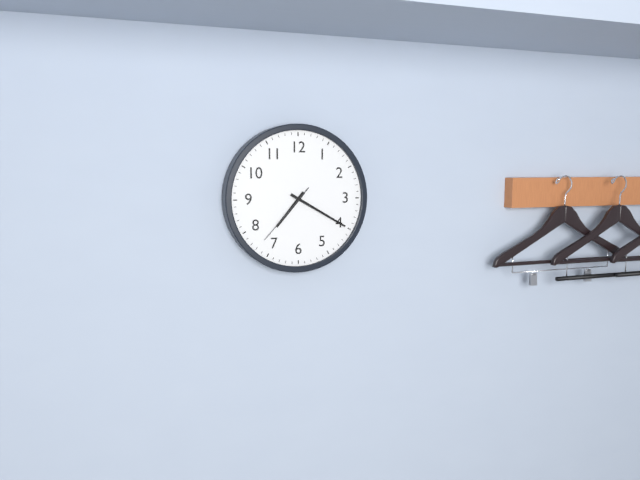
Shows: 7:20:37
